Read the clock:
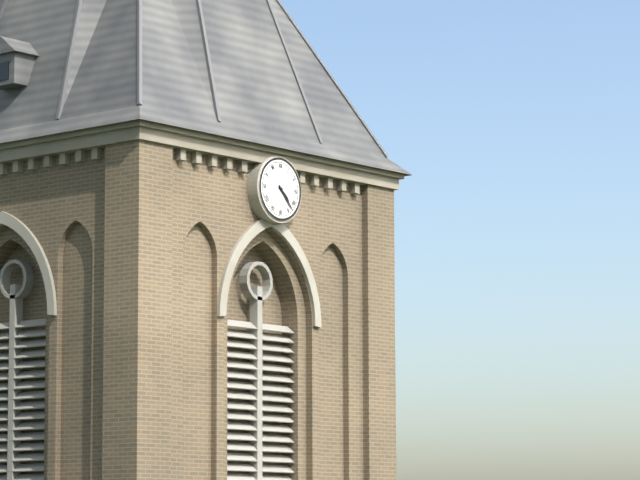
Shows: 4:23
